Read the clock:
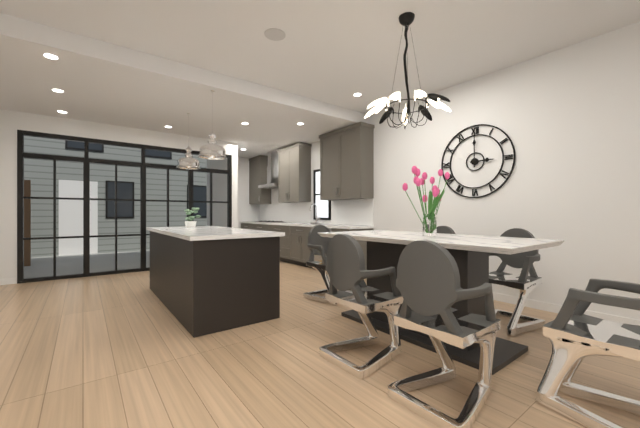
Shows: 3:00
